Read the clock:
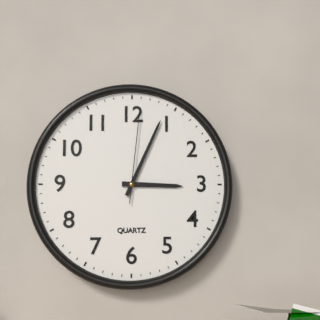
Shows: 3:04:01
